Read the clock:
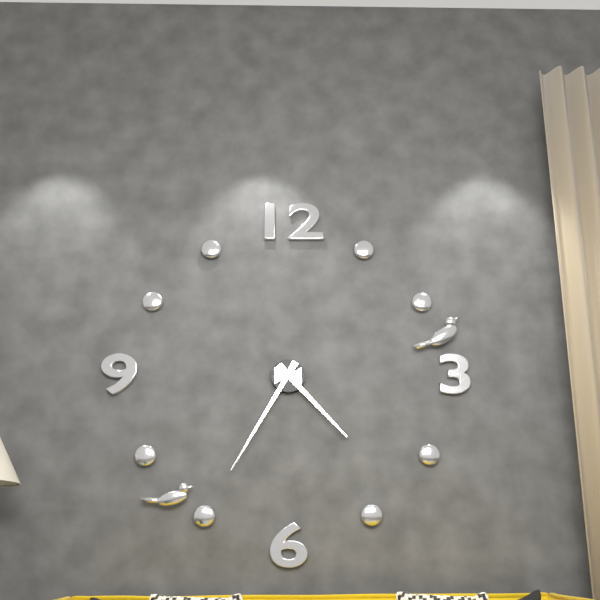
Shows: 4:35
